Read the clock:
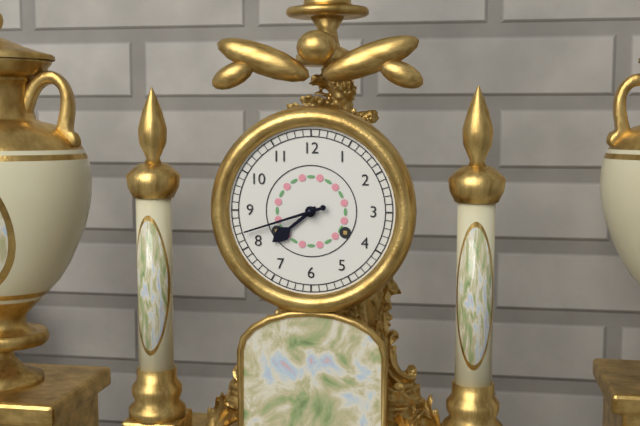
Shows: 7:42
